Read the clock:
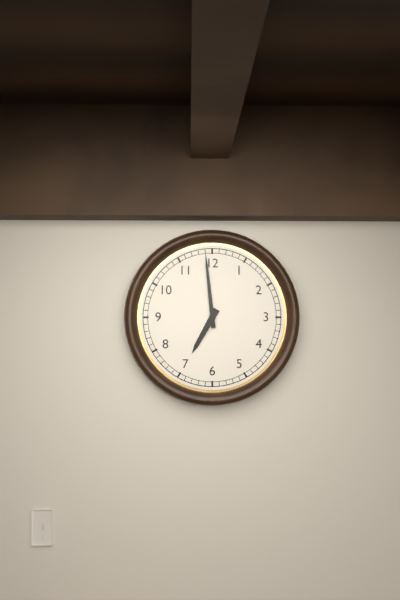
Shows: 6:59
